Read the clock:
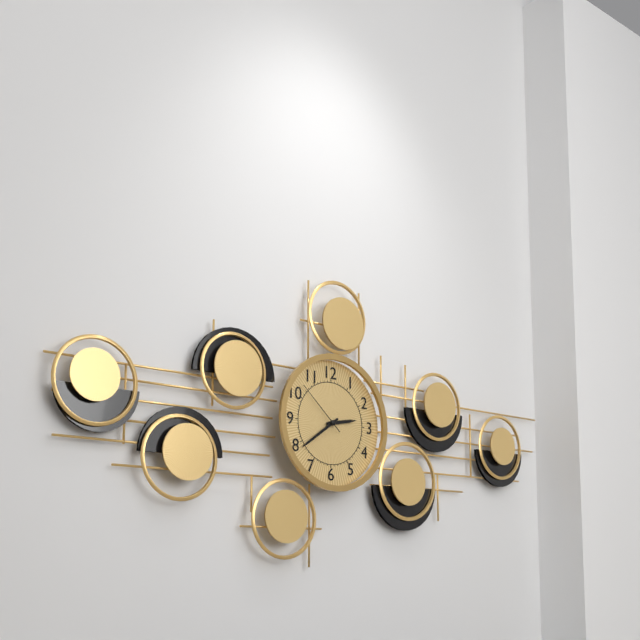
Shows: 2:39:52
